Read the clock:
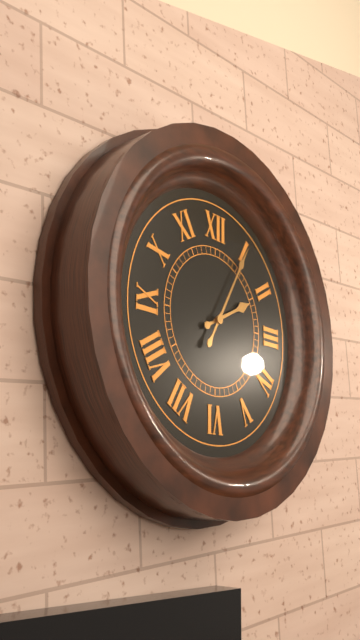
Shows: 2:05
